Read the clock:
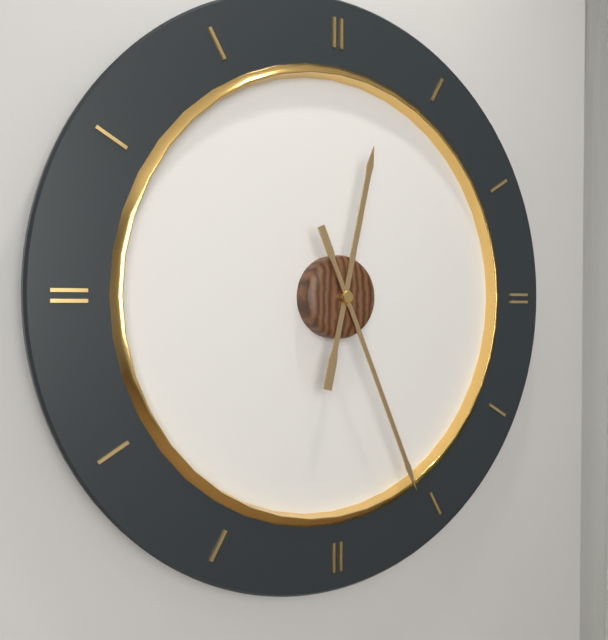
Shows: 12:26
